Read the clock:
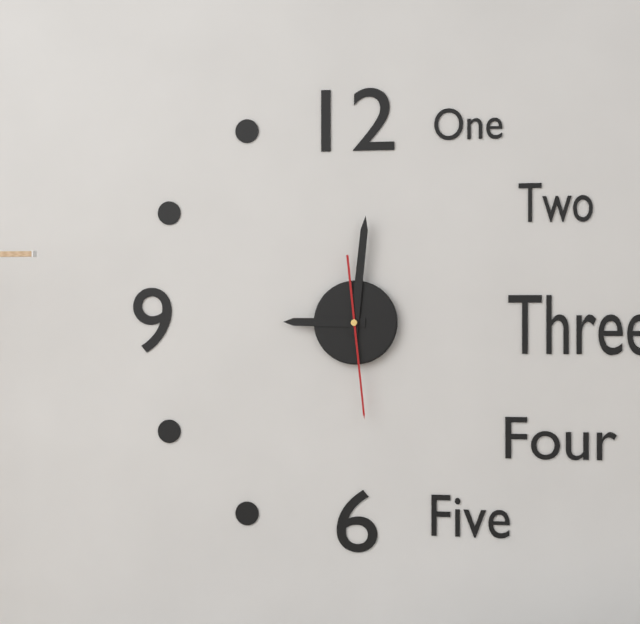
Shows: 9:01:29
